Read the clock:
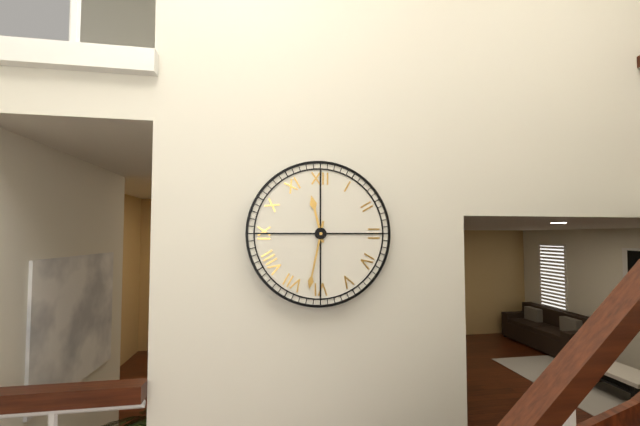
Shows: 11:32
